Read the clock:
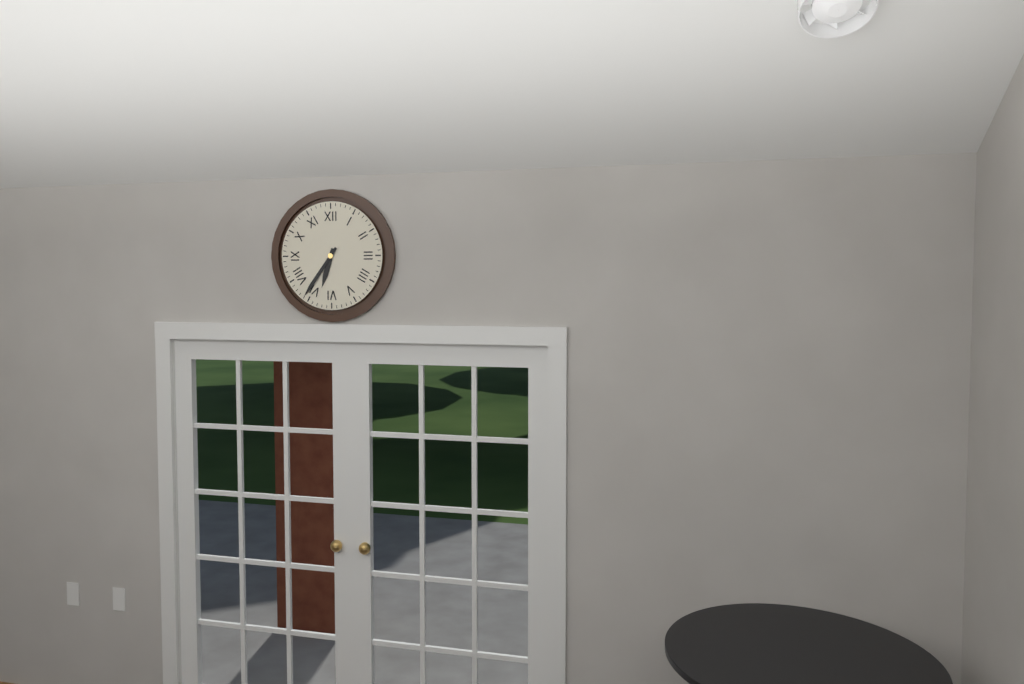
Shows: 6:36
